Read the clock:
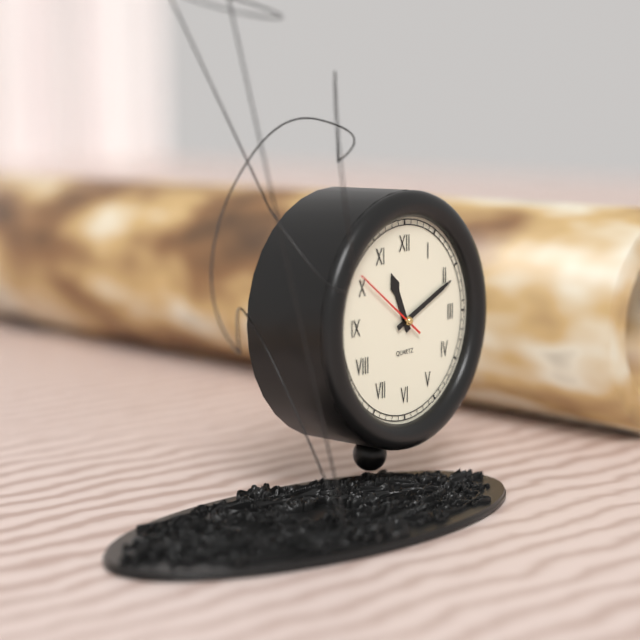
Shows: 11:11:51
